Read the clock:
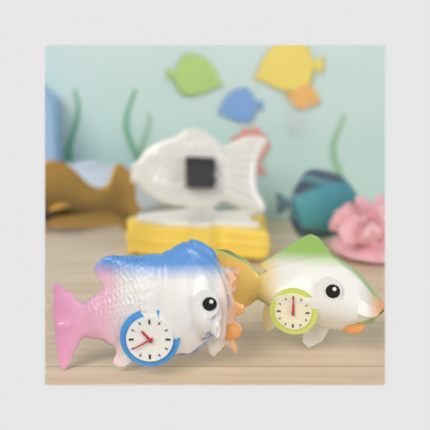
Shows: 10:40
